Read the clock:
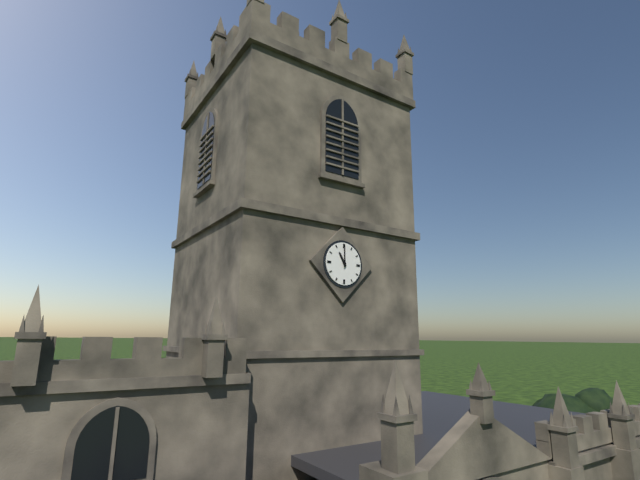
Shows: 11:00
